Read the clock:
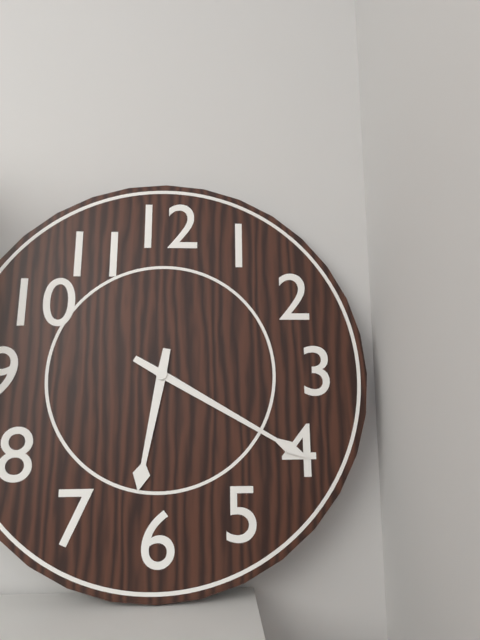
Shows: 6:20
